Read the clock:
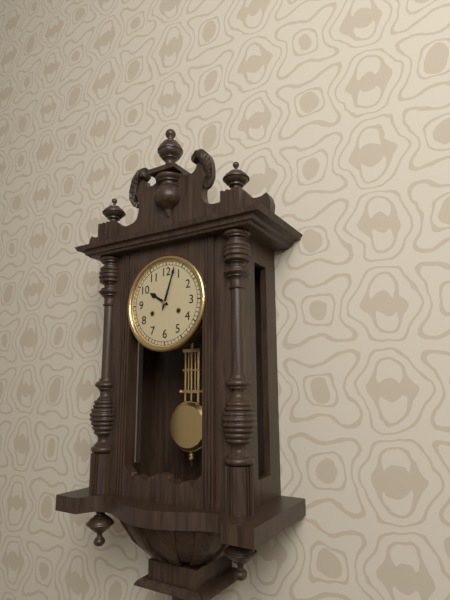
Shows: 10:03
